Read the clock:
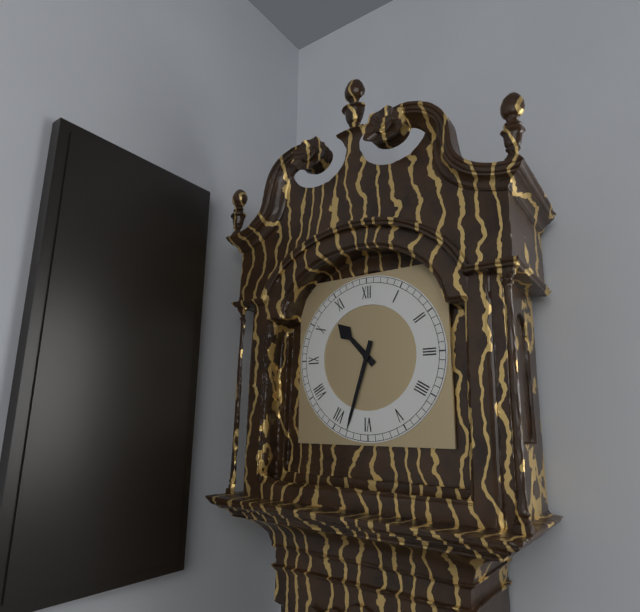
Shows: 10:33
